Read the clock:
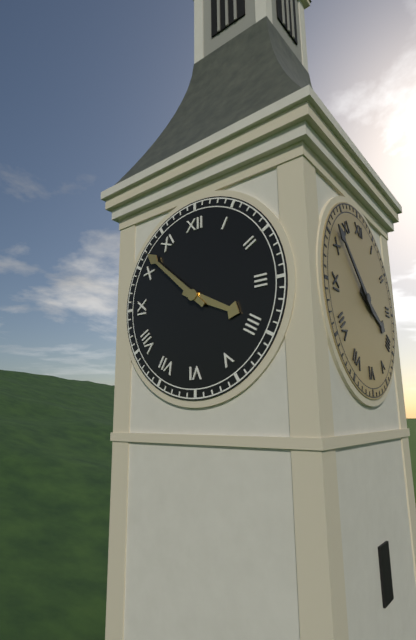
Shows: 3:52
